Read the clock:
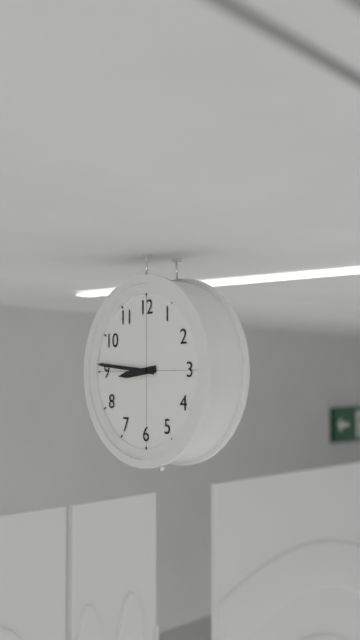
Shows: 8:46
